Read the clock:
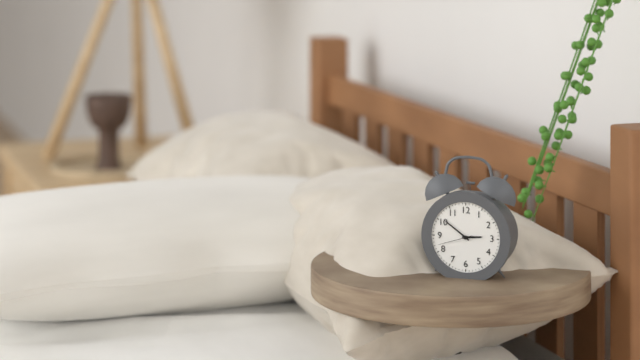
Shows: 2:51
